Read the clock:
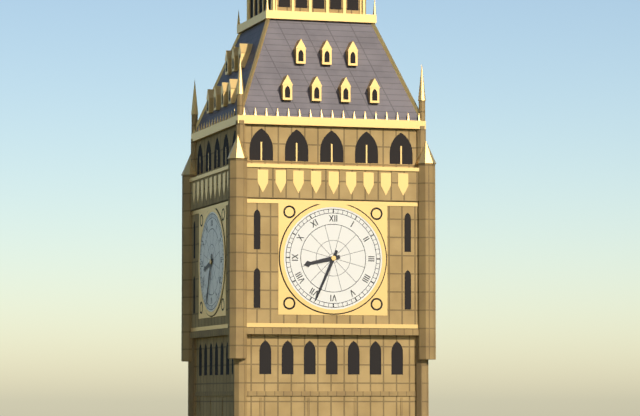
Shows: 8:34
